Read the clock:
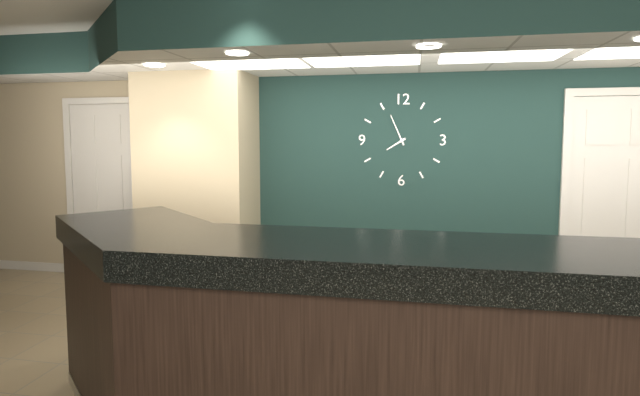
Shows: 7:56
